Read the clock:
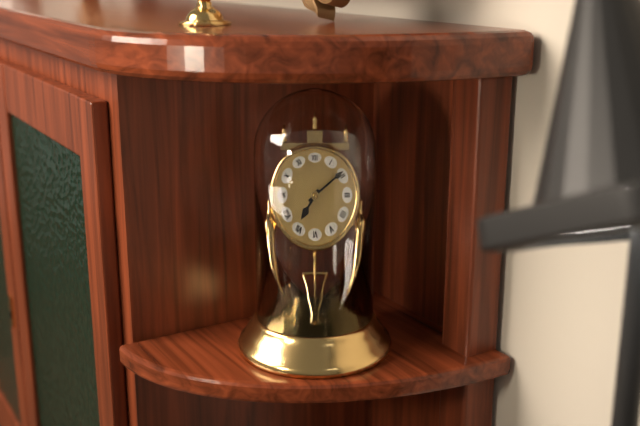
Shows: 7:09
